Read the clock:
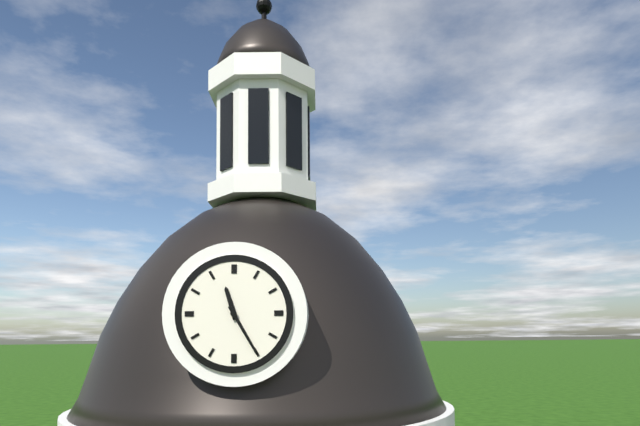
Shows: 11:25
